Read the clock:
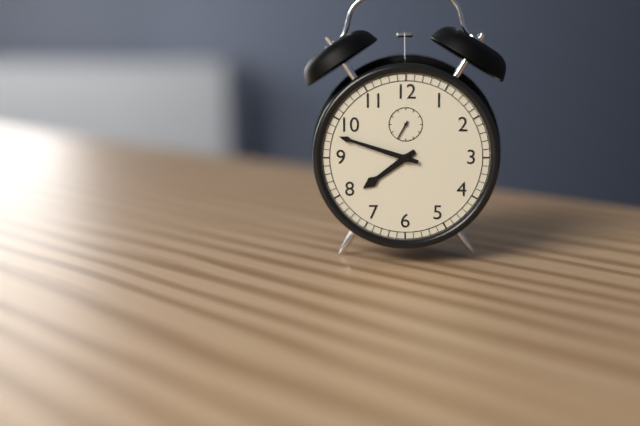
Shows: 7:48
